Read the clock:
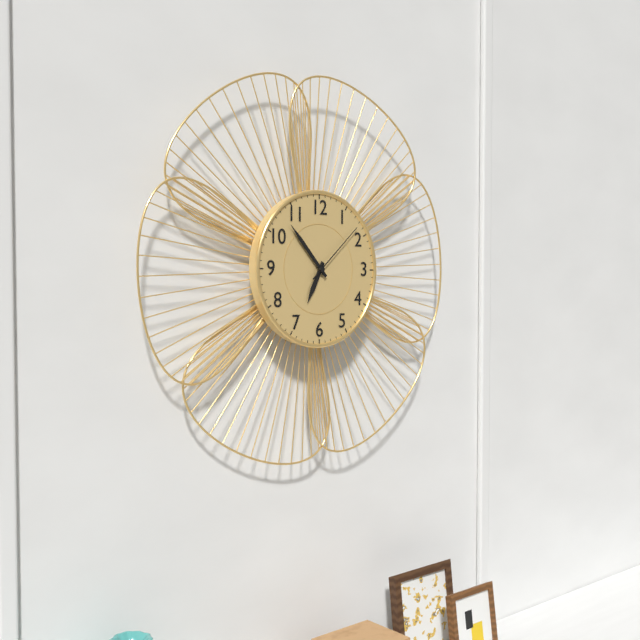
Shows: 6:53:08
